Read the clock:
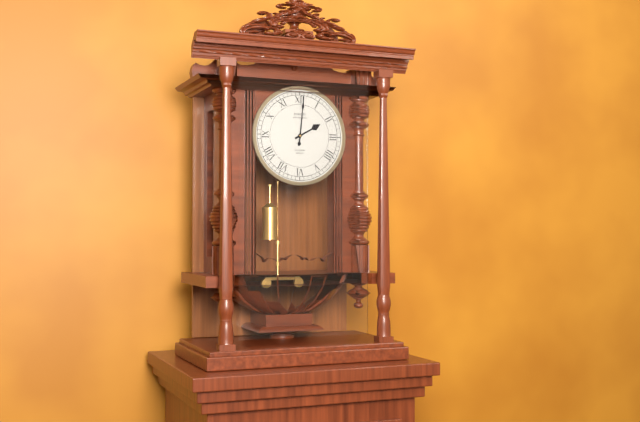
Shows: 2:01
